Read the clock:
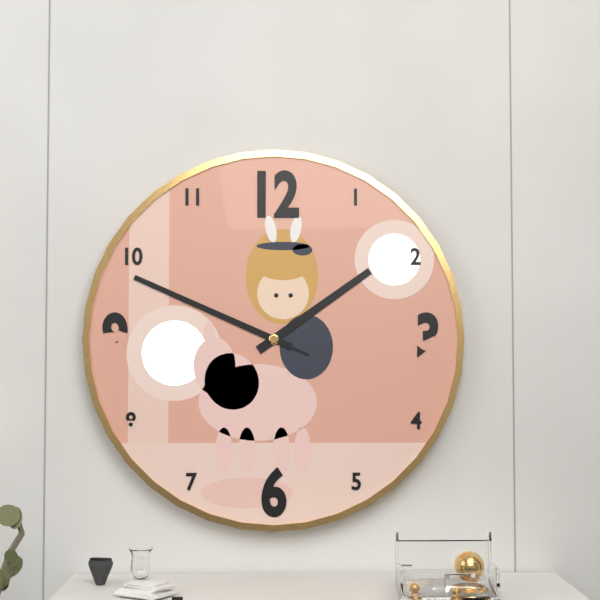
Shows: 1:49:49
